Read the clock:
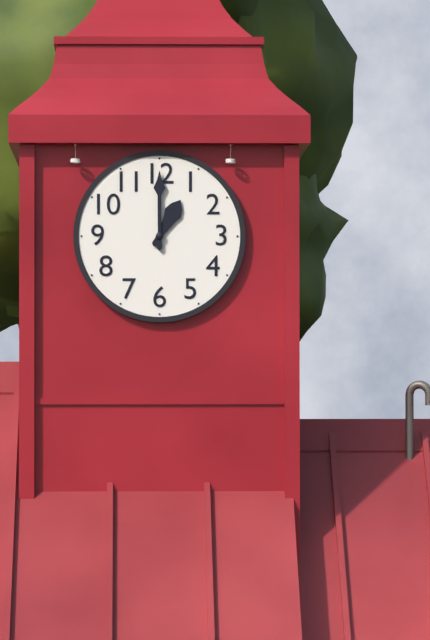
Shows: 1:00
